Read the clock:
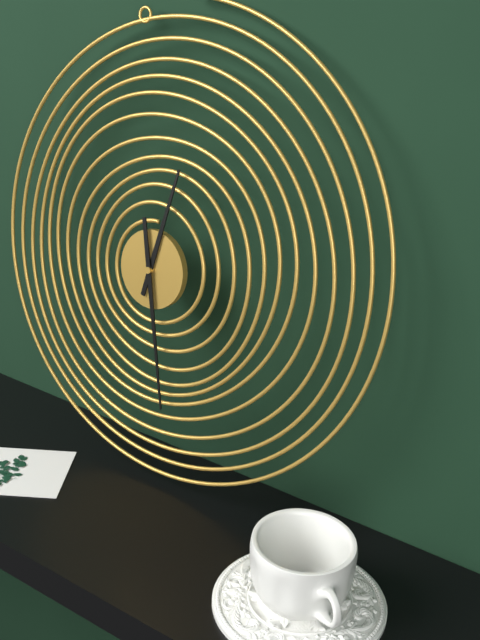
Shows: 12:28
